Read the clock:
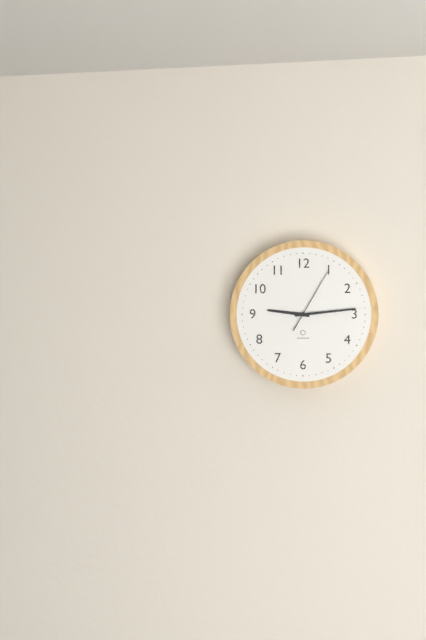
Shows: 9:14:05
